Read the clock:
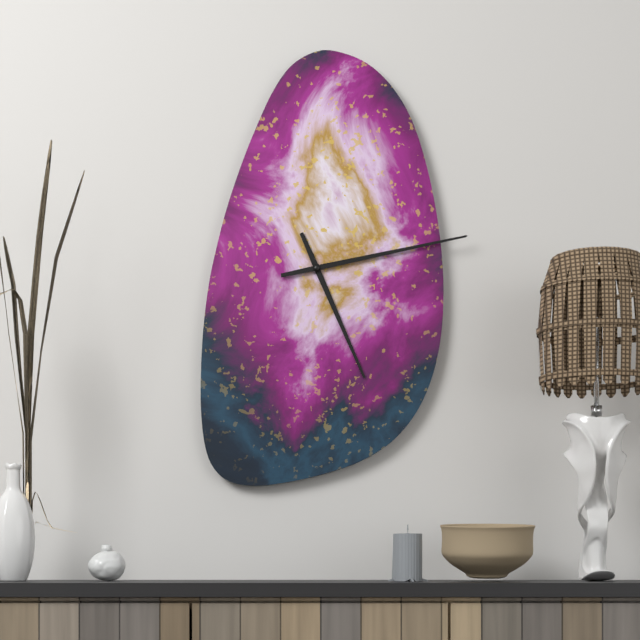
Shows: 5:13
